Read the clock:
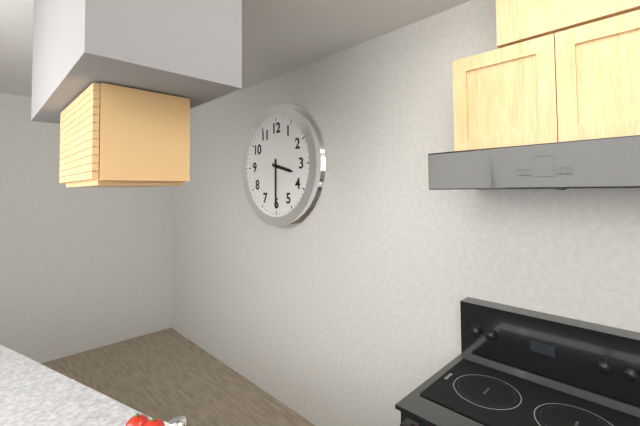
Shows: 3:30
